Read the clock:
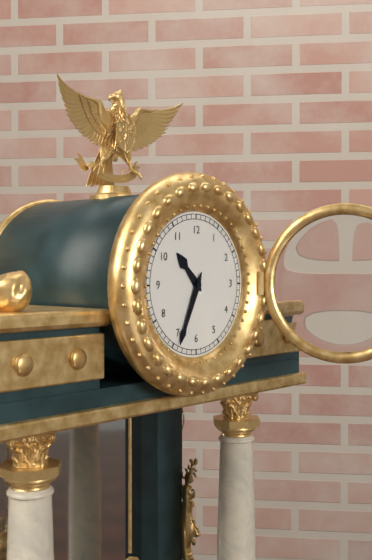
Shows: 10:34
